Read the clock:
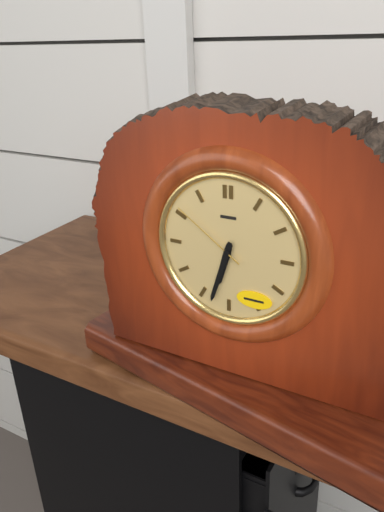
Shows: 6:33:51
